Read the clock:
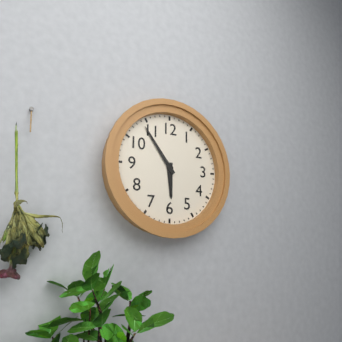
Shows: 5:54
